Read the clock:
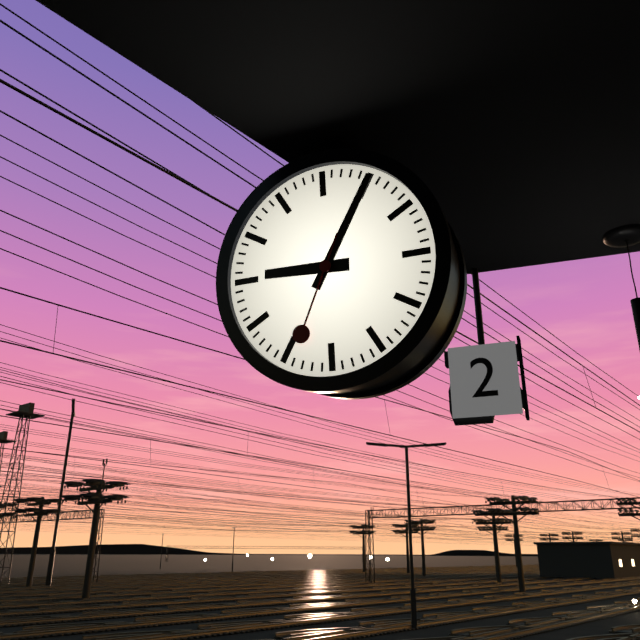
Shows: 9:05:34
